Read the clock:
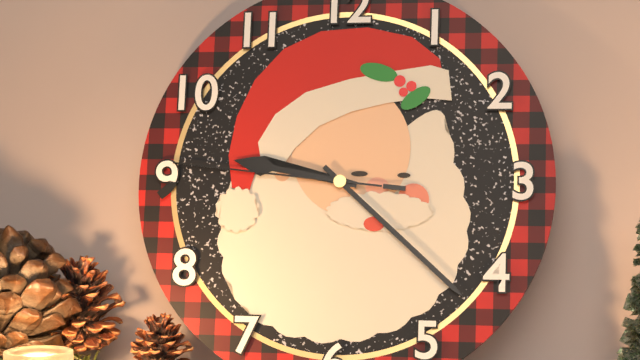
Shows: 9:22:46
